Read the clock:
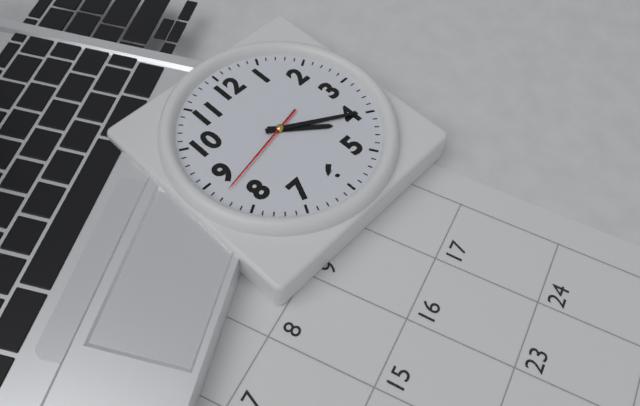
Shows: 4:20:43
